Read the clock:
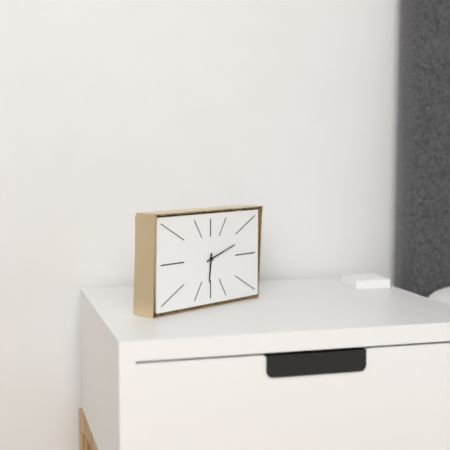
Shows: 6:12
